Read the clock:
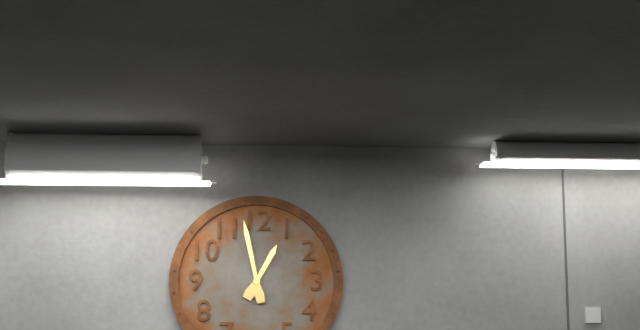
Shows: 12:58
